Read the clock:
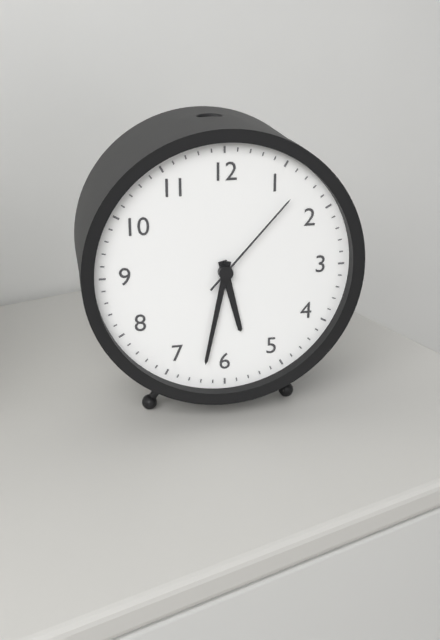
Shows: 5:32:07
